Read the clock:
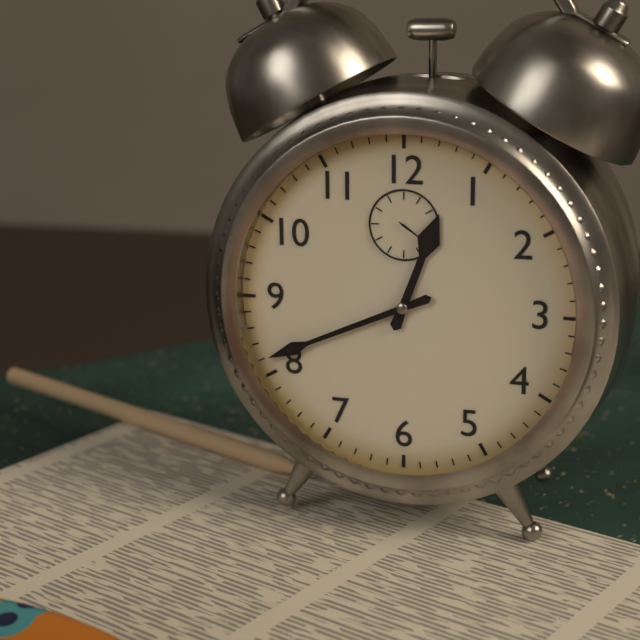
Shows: 12:41
